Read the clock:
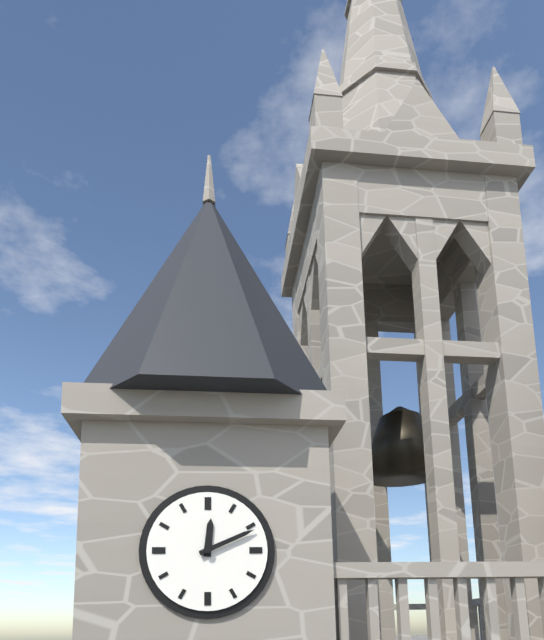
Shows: 12:11
